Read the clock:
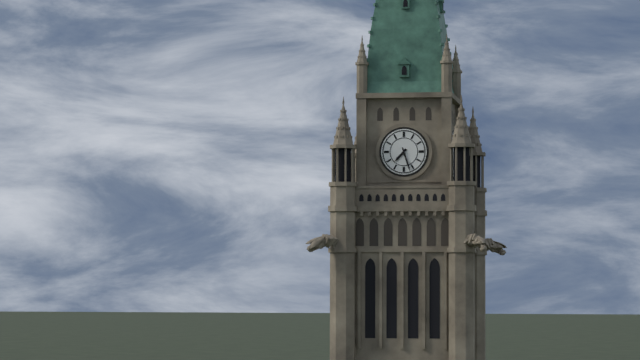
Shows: 7:27
